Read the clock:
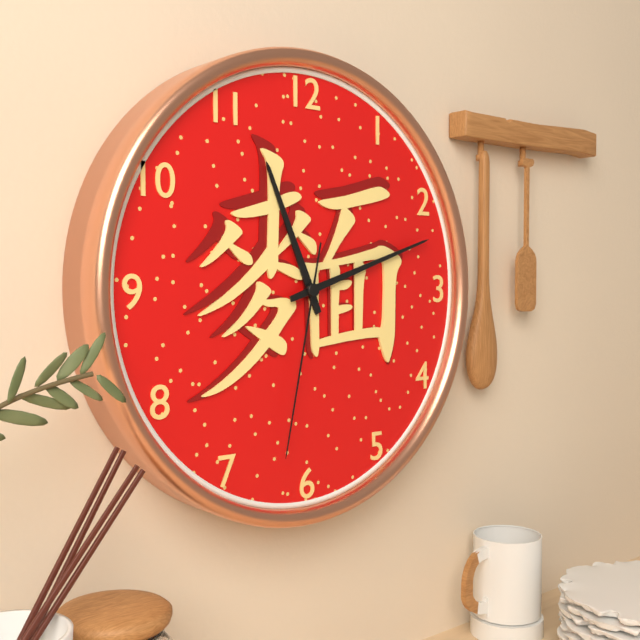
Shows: 11:12:32
